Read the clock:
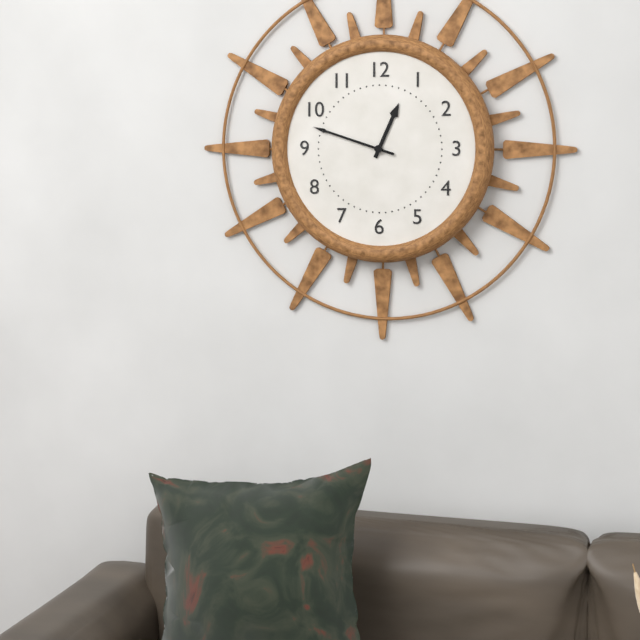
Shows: 12:48
